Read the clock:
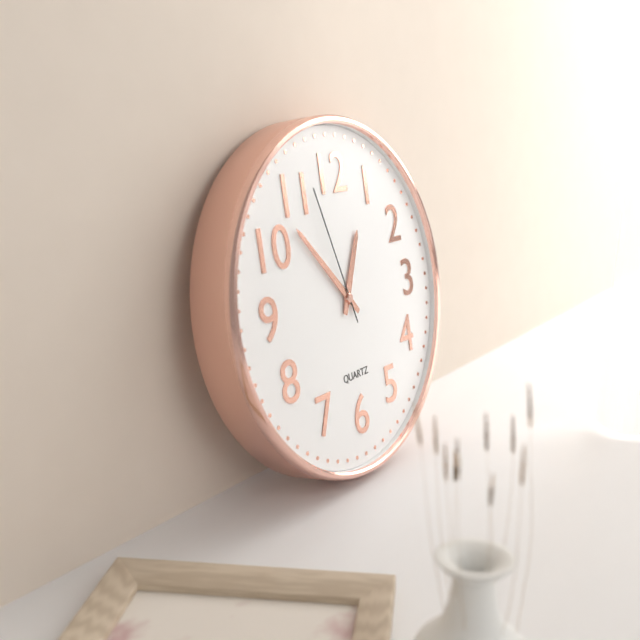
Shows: 12:53:57
